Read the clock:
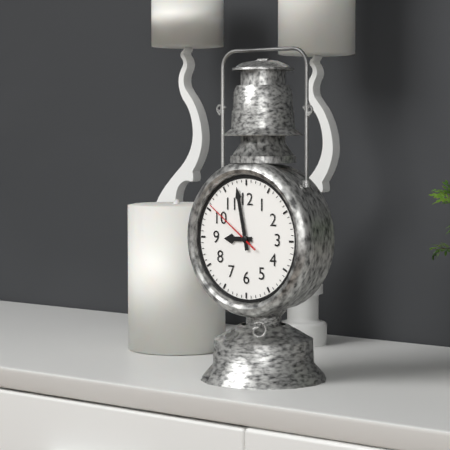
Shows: 8:58:51
